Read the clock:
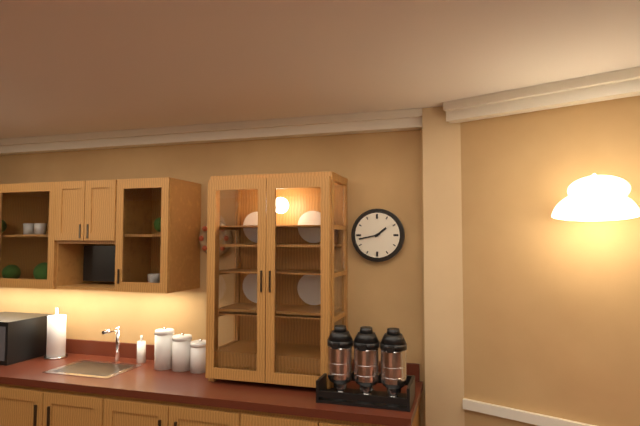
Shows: 1:43
